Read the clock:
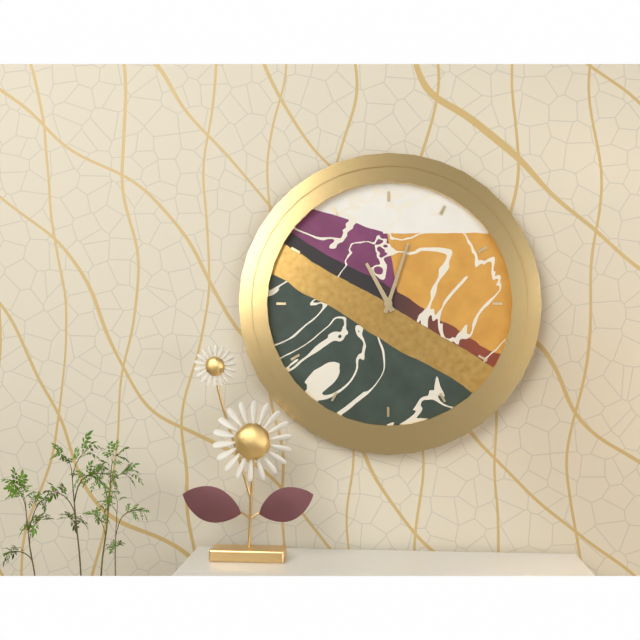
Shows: 11:03
